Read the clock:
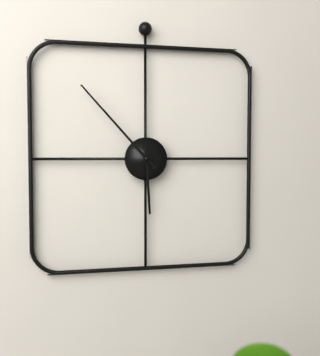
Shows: 5:53
